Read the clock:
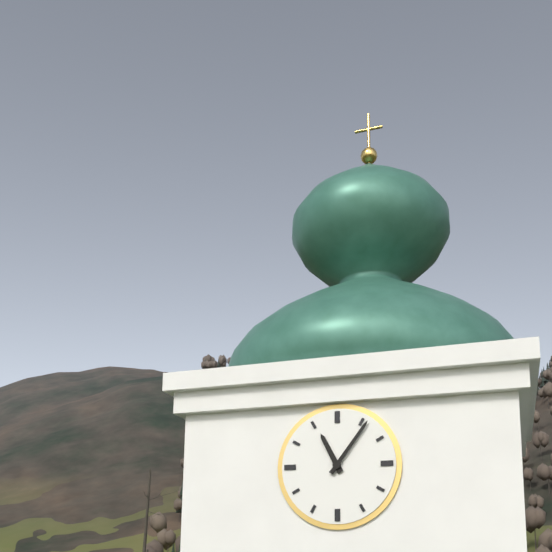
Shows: 11:06
